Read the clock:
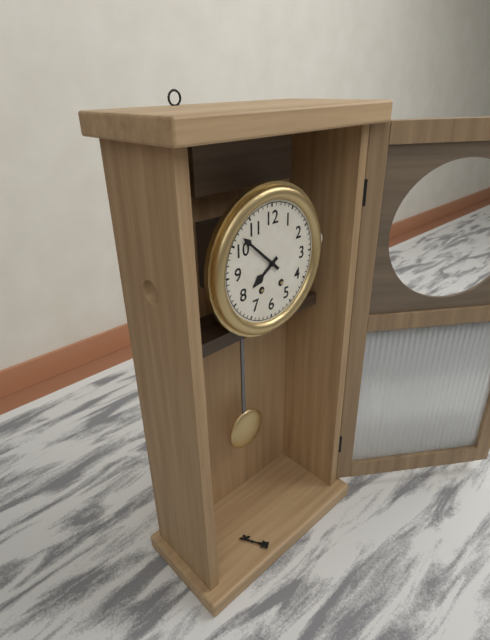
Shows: 7:52
